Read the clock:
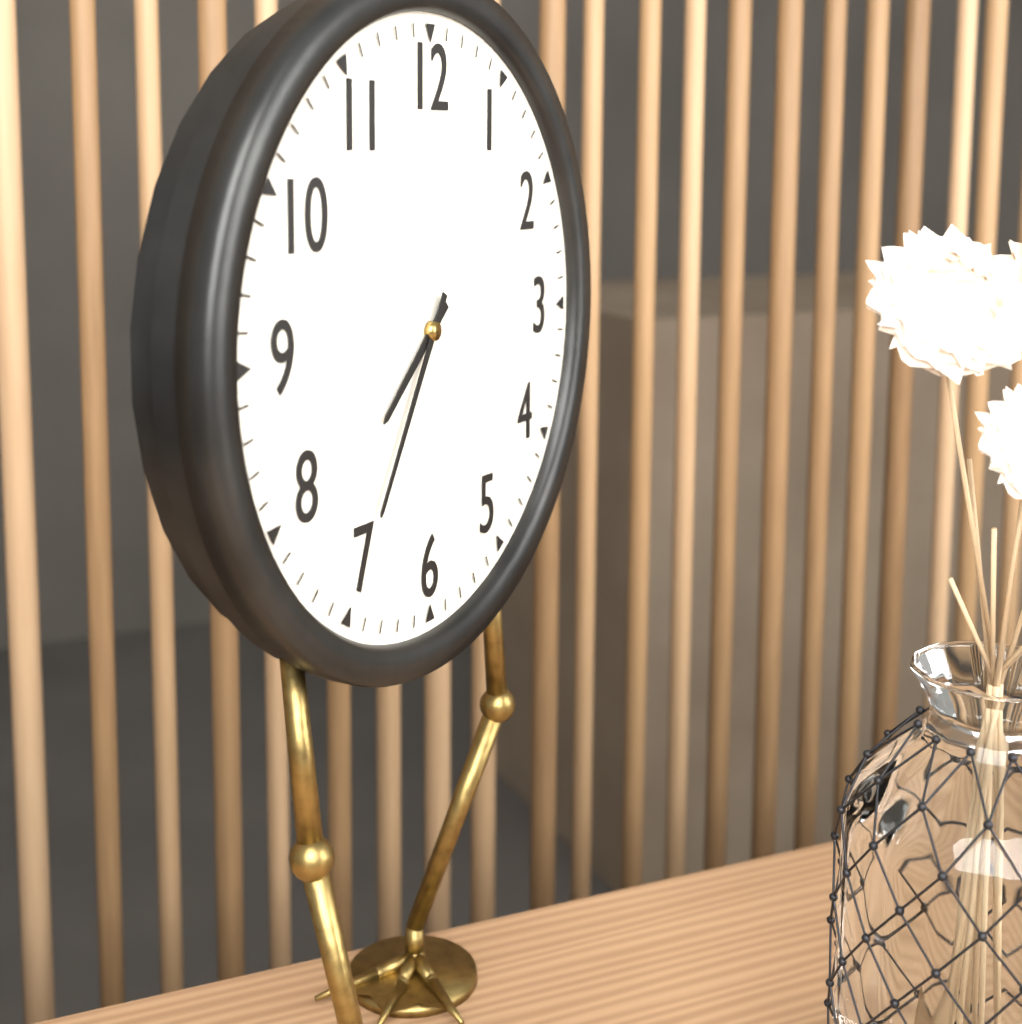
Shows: 7:35
